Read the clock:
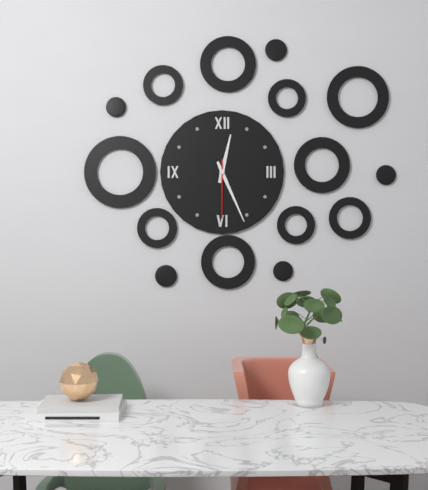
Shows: 12:26:30
